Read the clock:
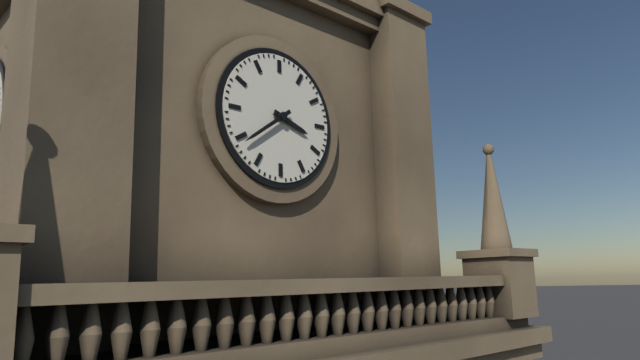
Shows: 3:39
